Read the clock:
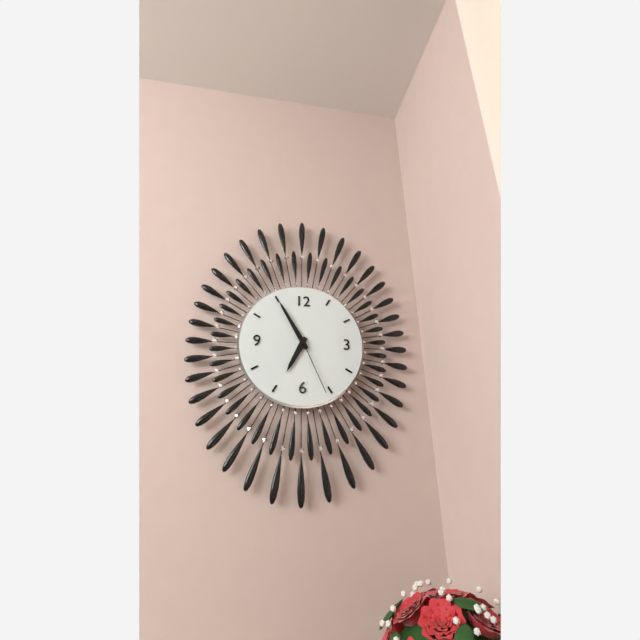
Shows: 6:55:26
